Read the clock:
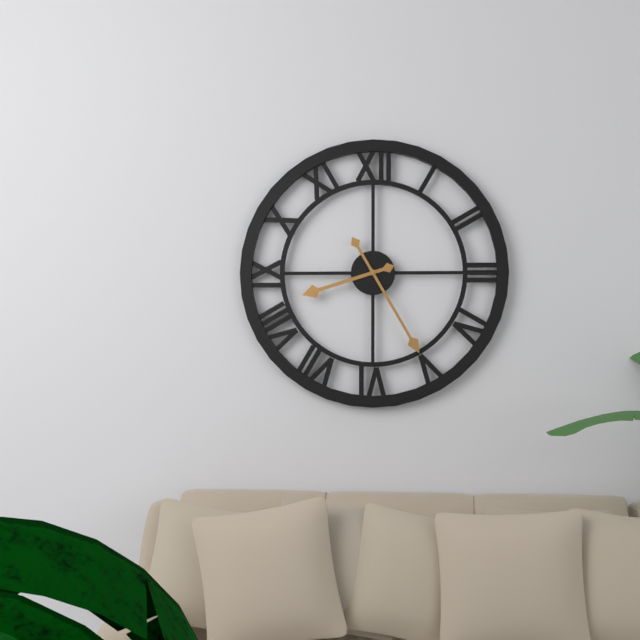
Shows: 8:25
